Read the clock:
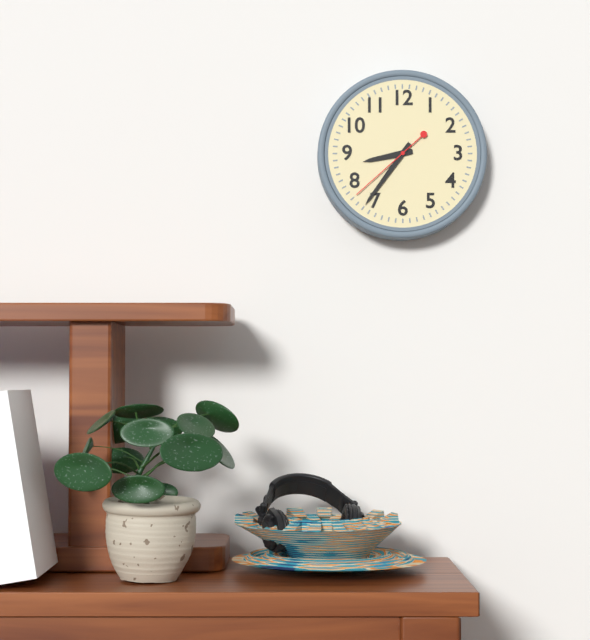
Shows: 8:36:38
